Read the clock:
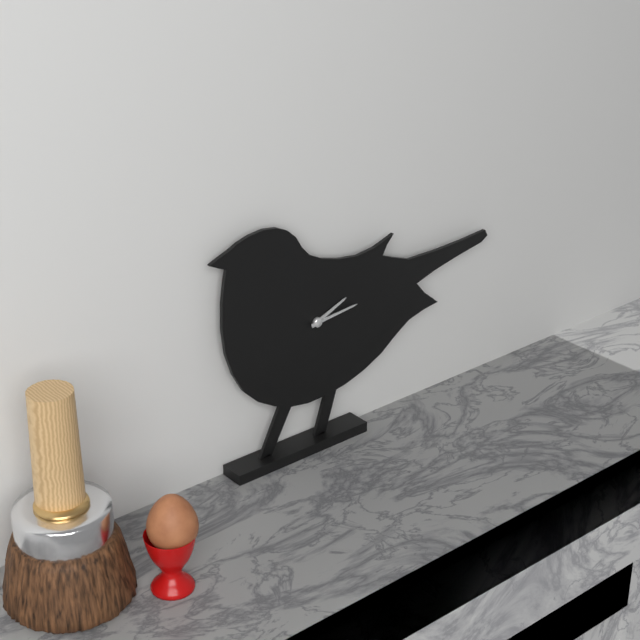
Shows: 2:14
